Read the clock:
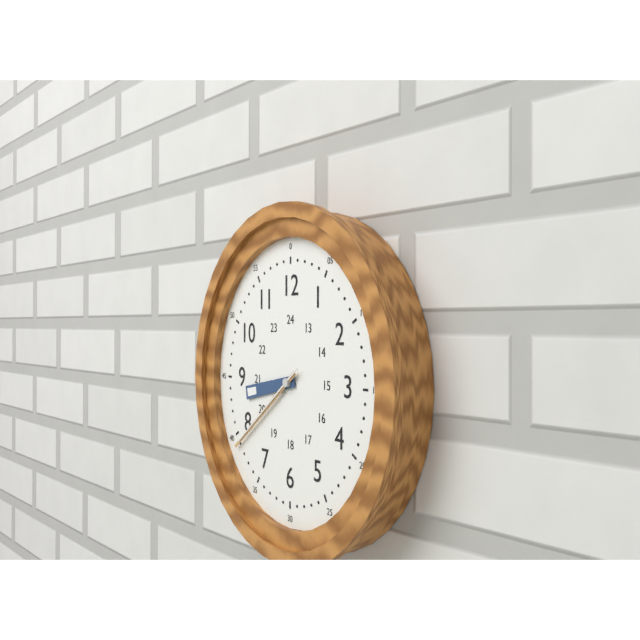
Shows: 8:39:39
